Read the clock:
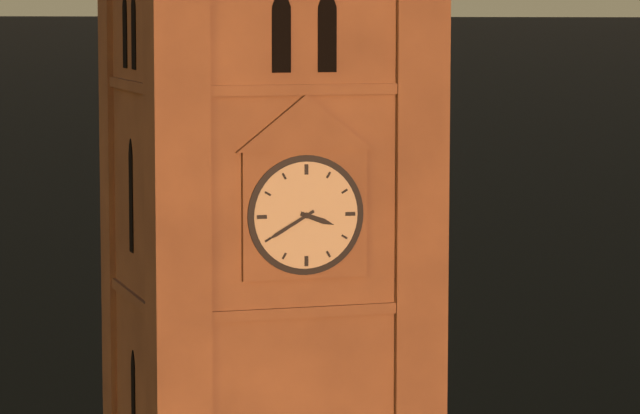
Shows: 3:40
